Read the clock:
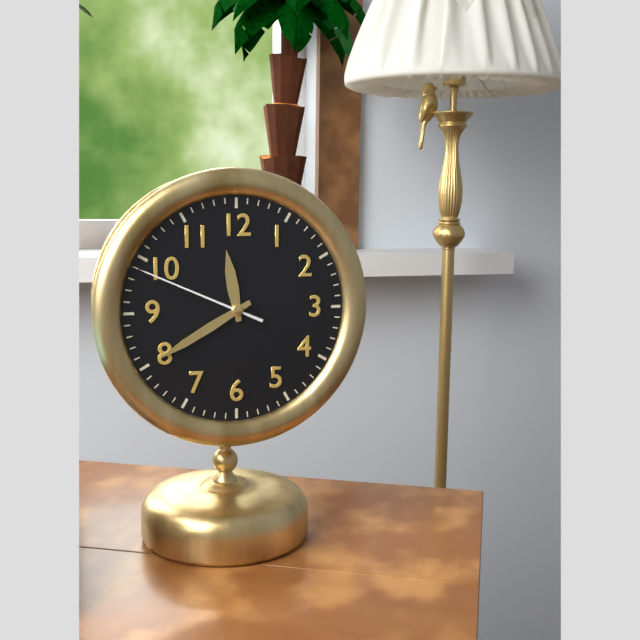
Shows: 11:40:49
